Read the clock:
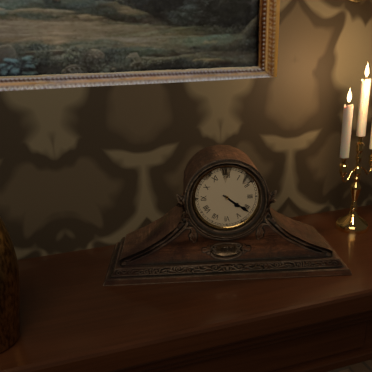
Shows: 4:21
